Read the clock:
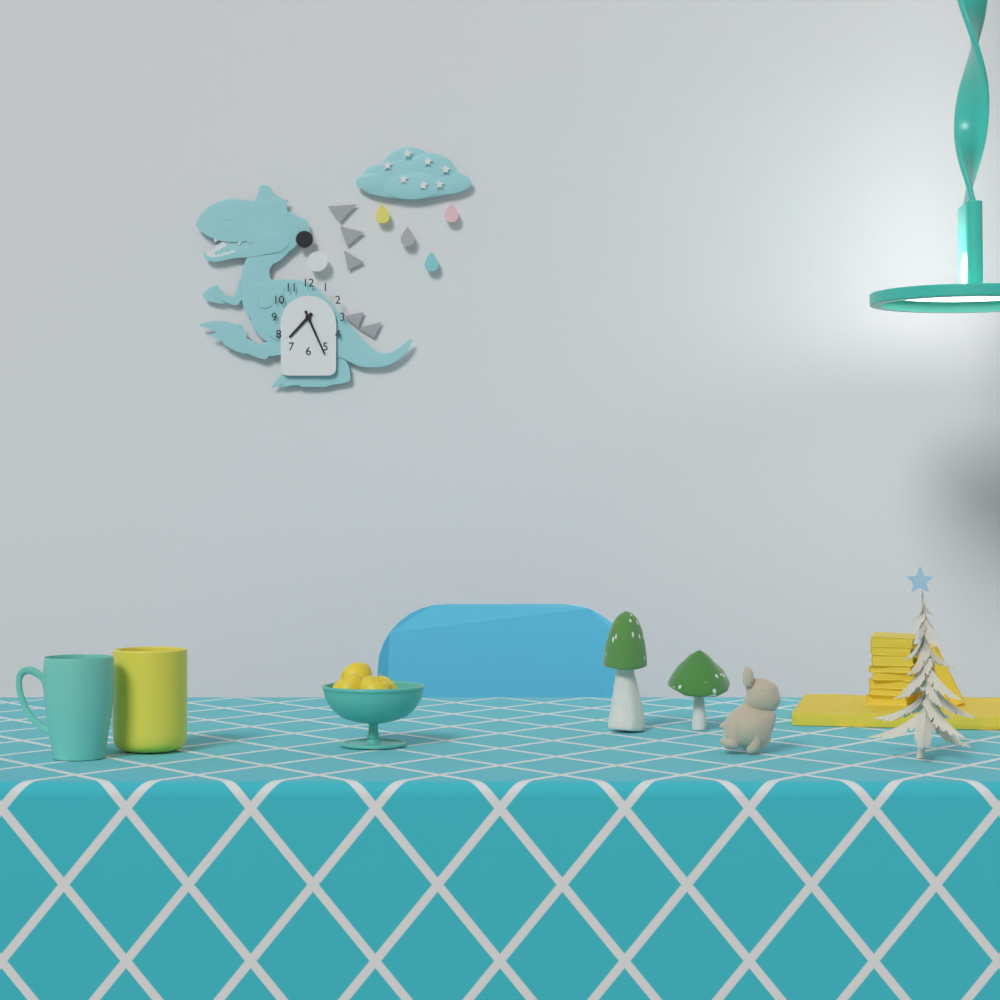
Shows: 7:26
